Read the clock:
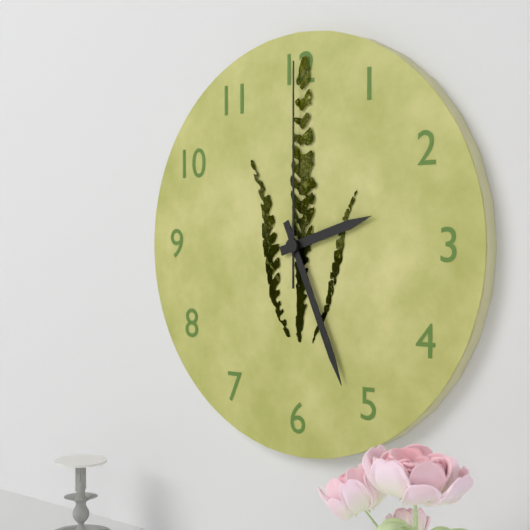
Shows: 2:26:00
